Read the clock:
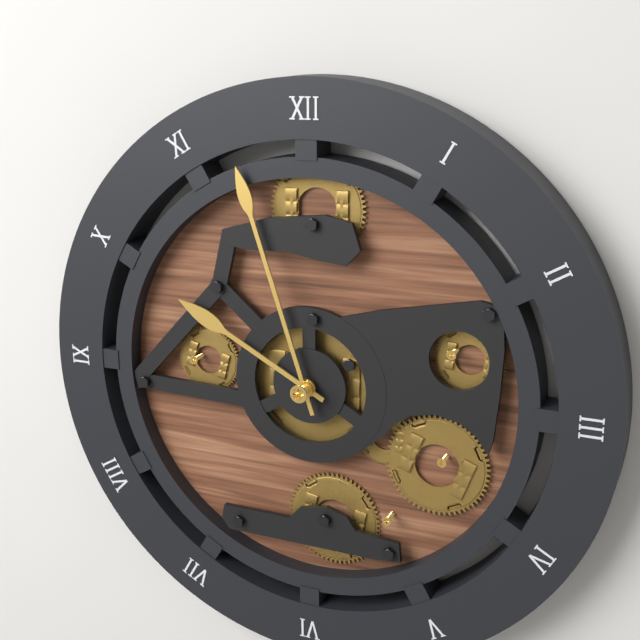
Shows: 9:57
